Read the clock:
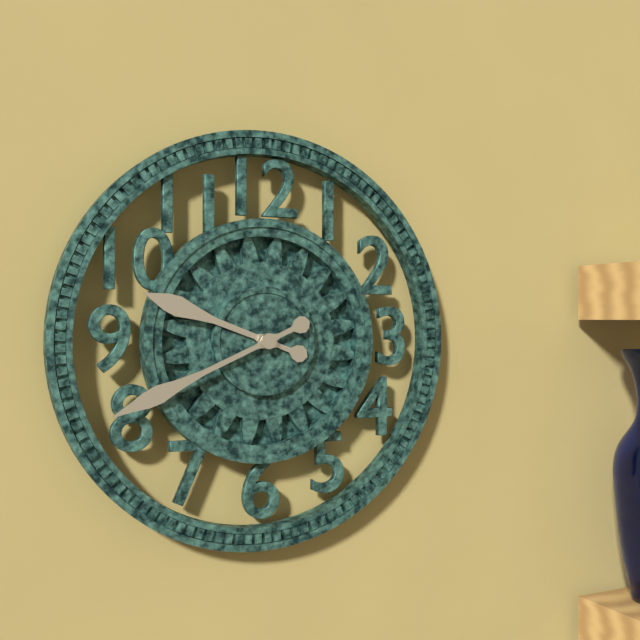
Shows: 9:41
